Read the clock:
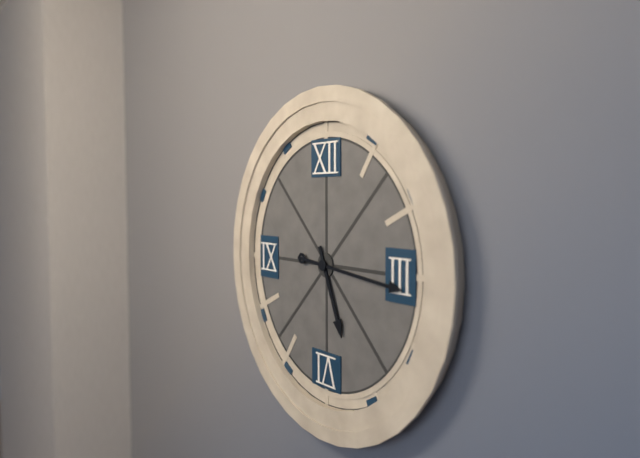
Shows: 5:16
